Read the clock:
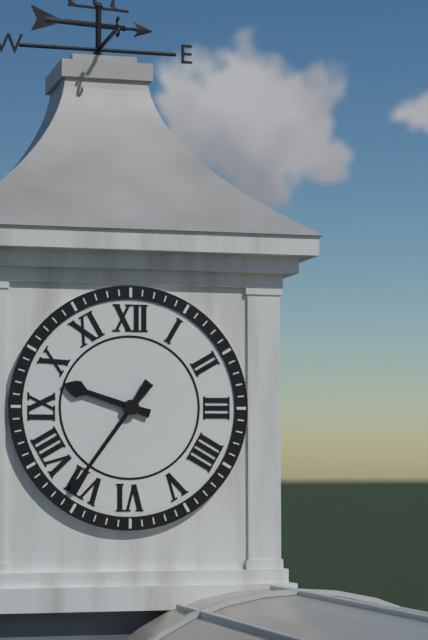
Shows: 9:36
